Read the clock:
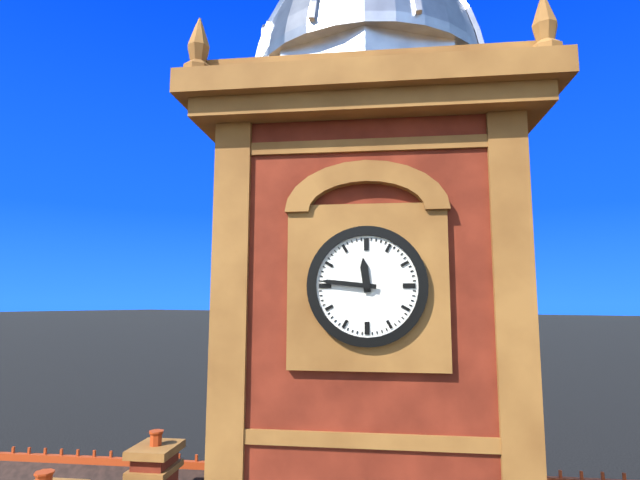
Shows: 11:46
